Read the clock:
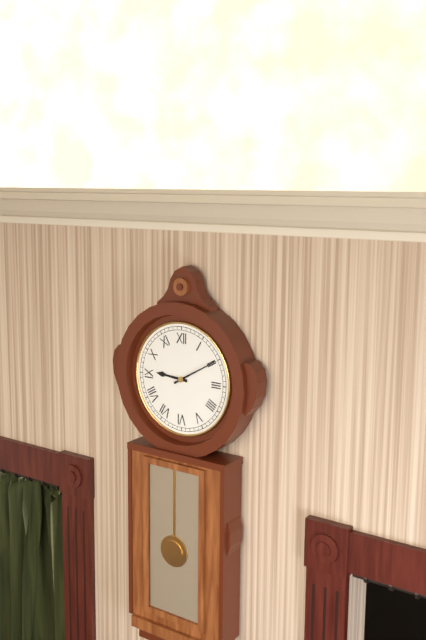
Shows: 9:10
